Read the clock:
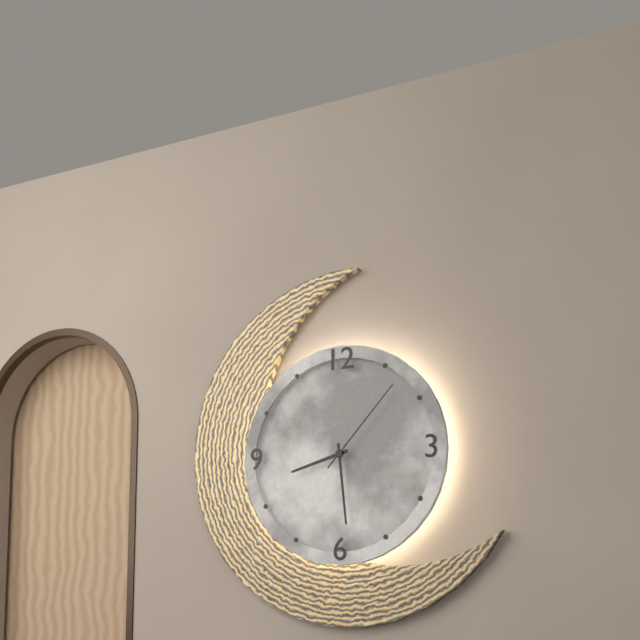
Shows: 8:29:07
